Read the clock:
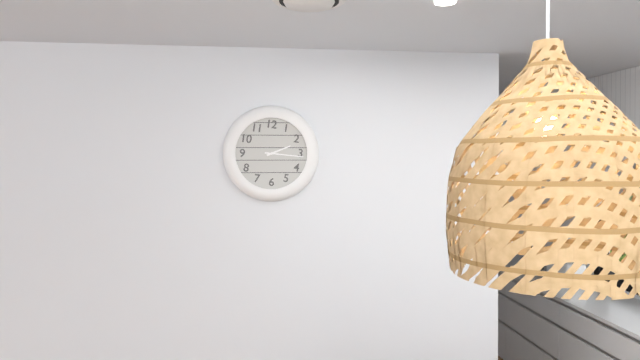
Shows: 2:16
